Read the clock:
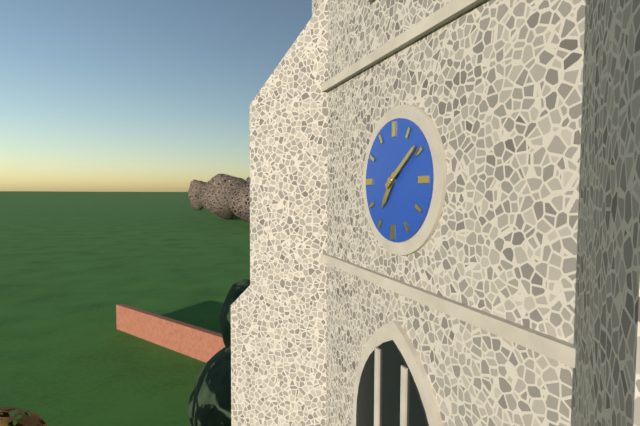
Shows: 7:09
